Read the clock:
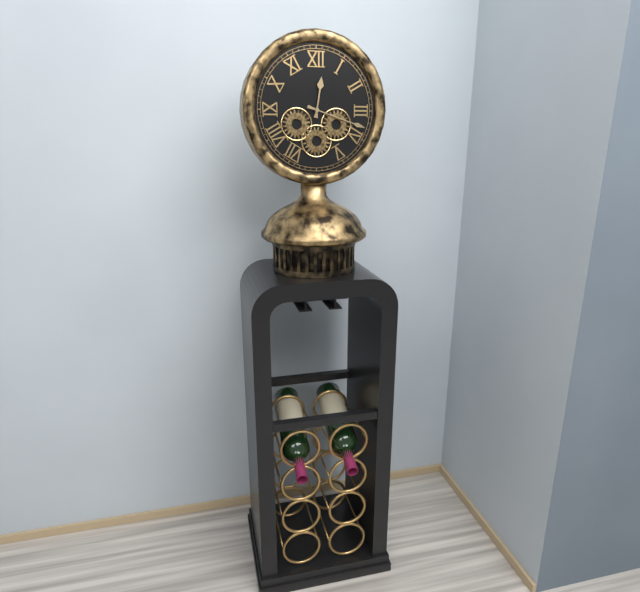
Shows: 12:18
